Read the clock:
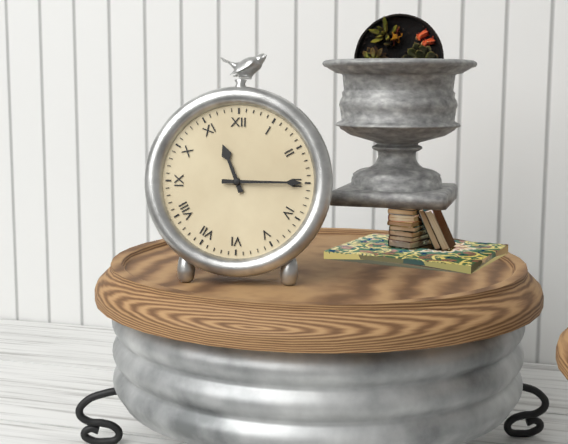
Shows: 11:15
